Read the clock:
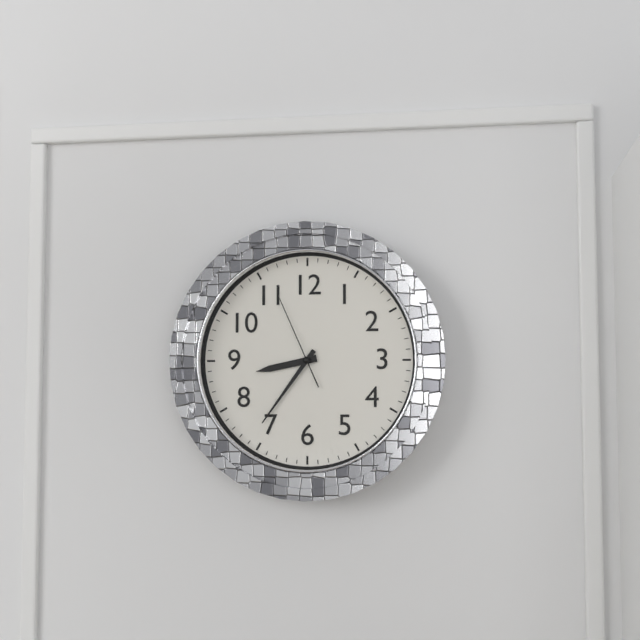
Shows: 8:36:56
